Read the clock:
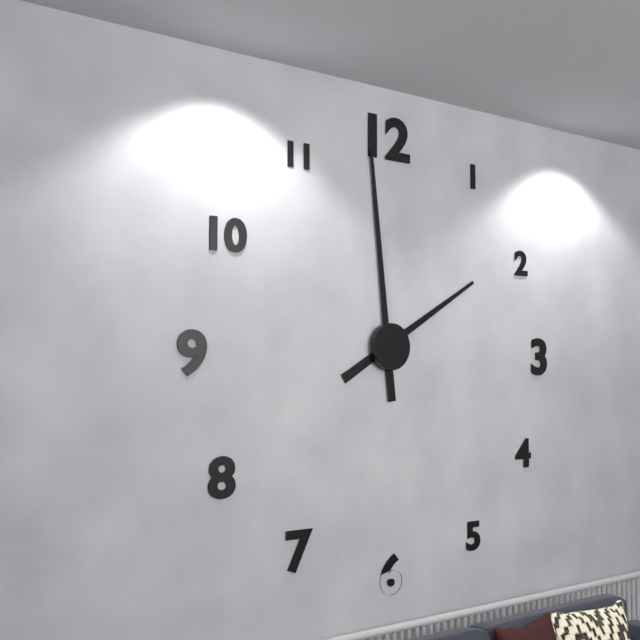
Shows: 1:59
